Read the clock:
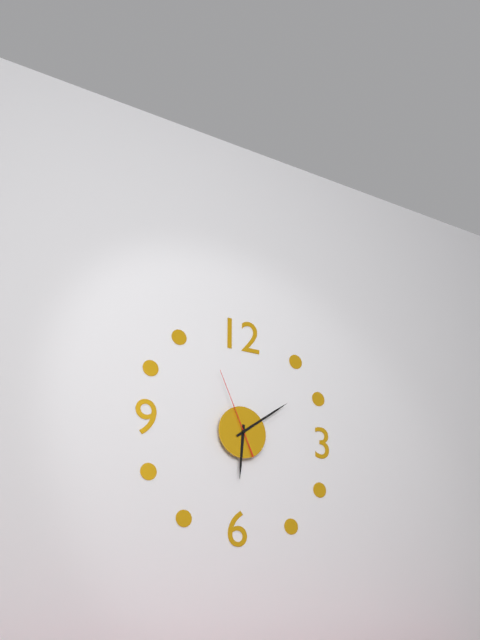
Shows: 6:09:56
